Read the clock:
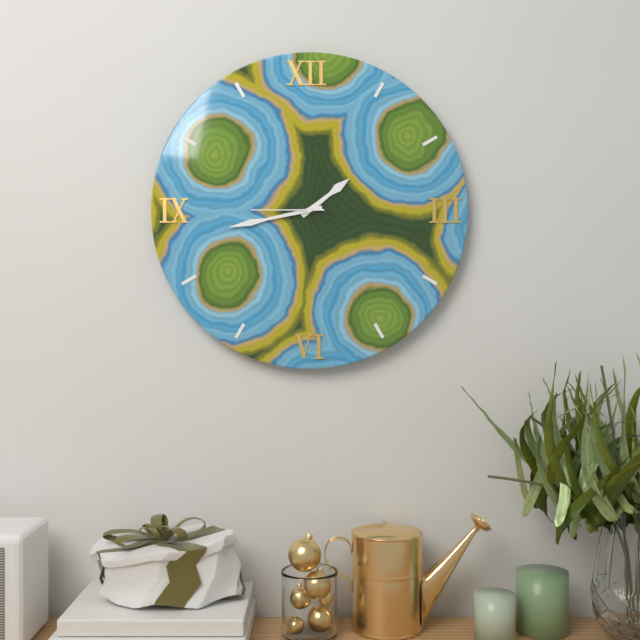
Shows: 1:43:45
